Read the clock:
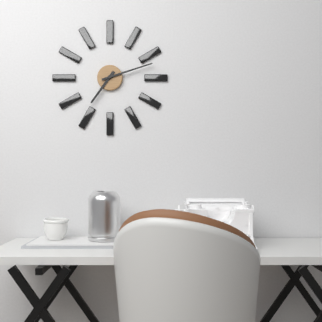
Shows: 7:12
